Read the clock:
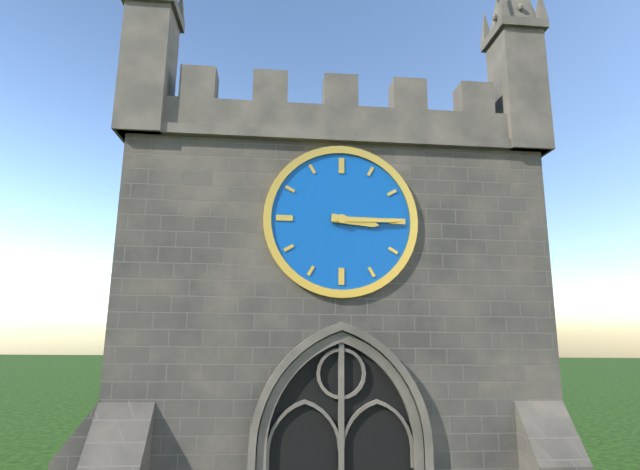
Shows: 3:15
